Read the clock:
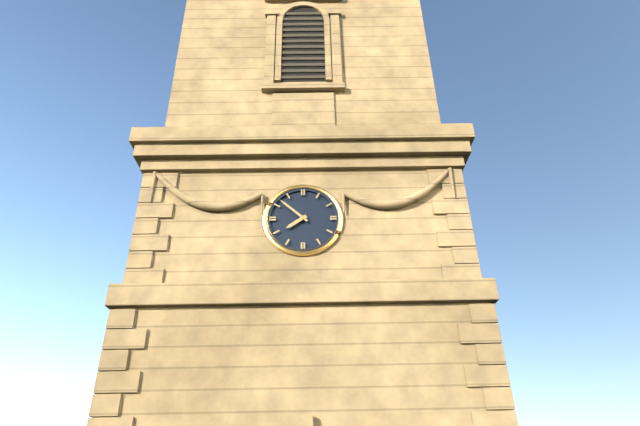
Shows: 7:52
